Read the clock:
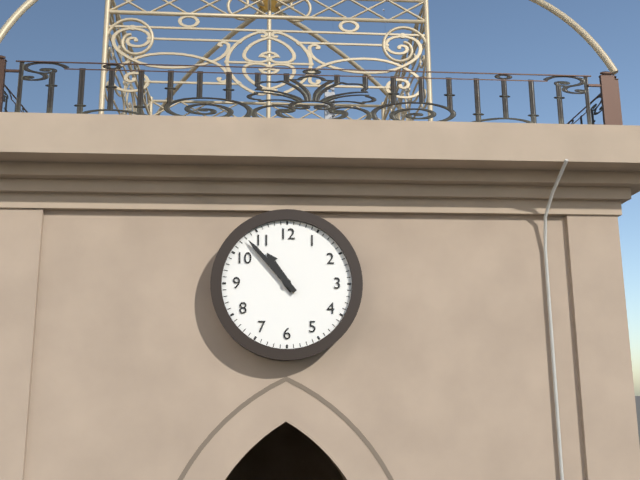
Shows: 10:53
